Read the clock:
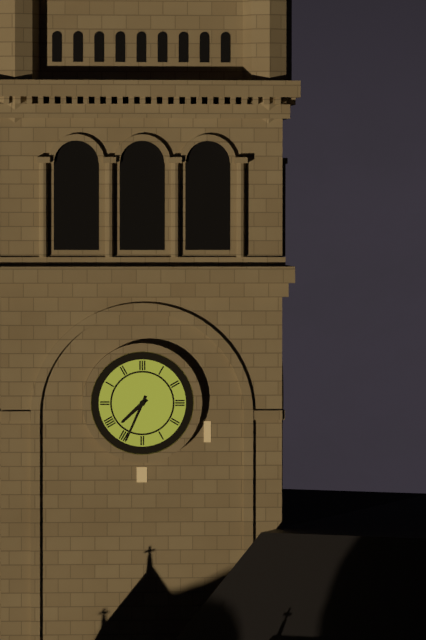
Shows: 7:34
